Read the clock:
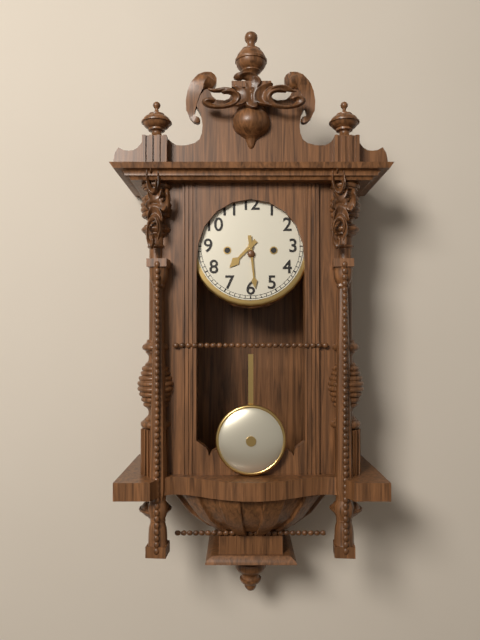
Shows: 7:29
